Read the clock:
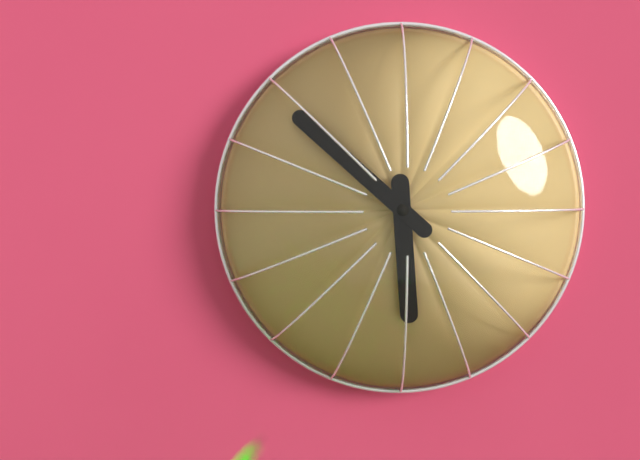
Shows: 5:52
